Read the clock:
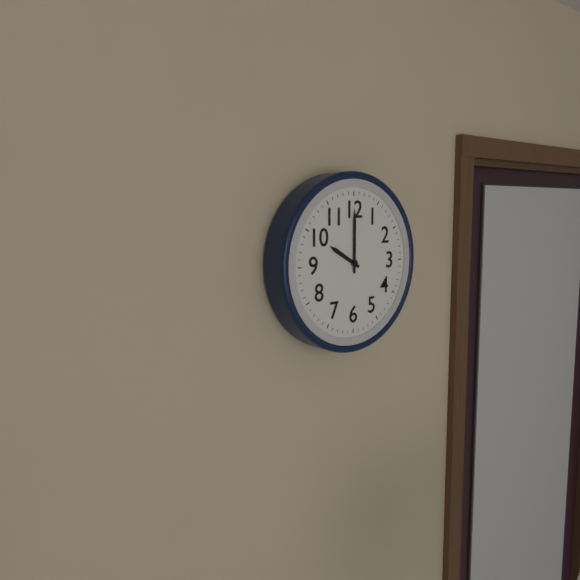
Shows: 10:00
